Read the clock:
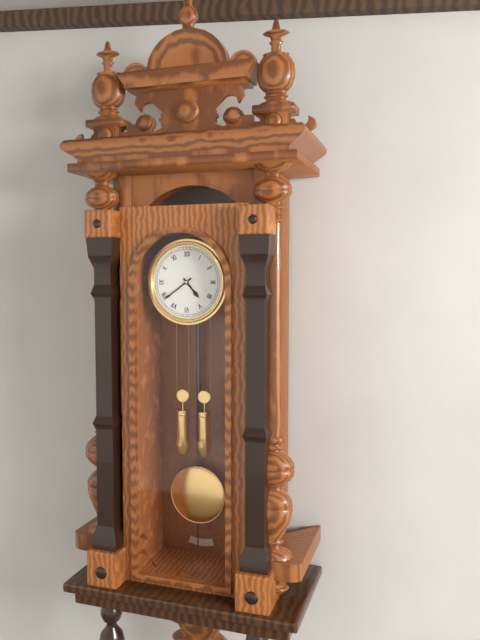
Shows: 4:39
